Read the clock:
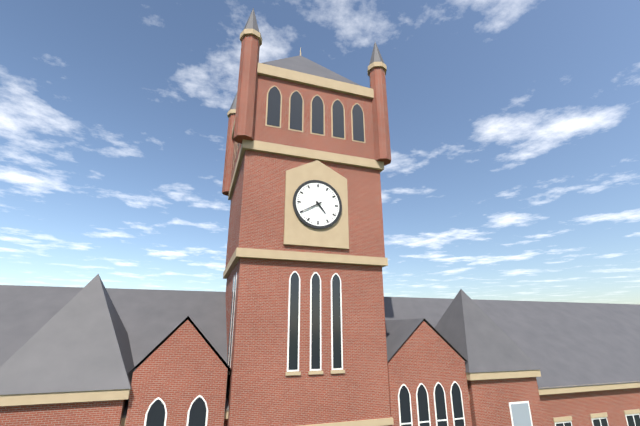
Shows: 4:40
